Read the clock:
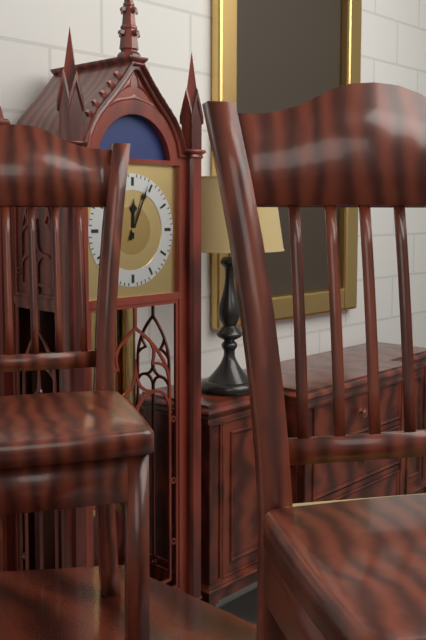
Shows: 12:04
